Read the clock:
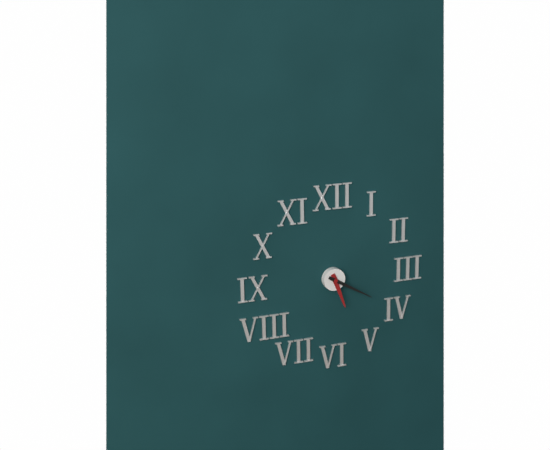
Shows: 5:20
